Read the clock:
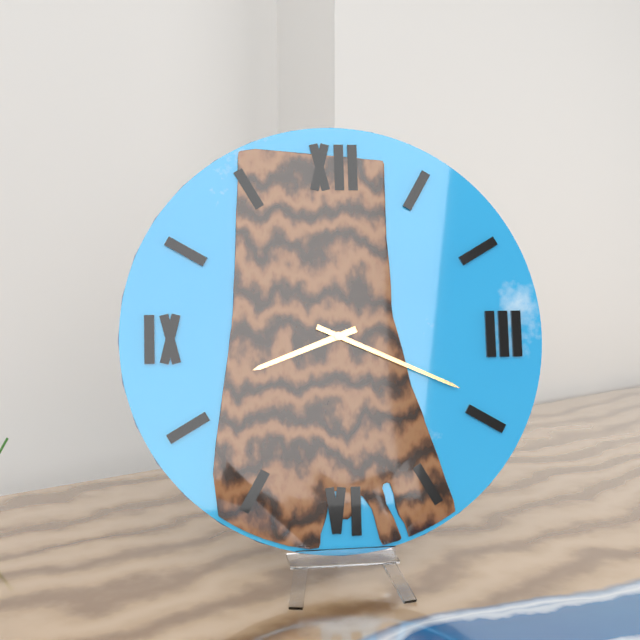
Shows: 8:19
